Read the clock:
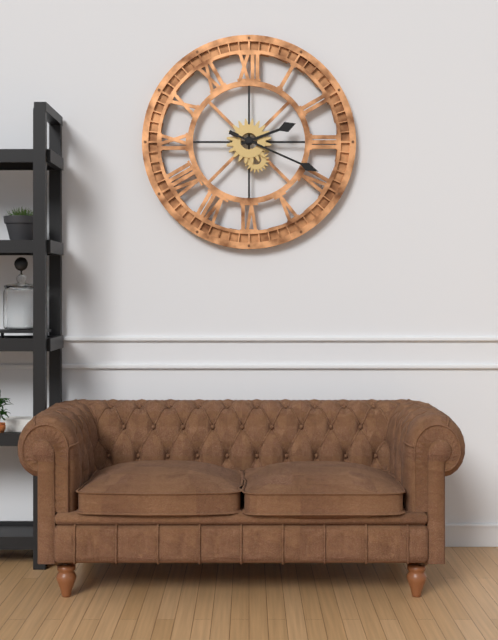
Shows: 2:19
